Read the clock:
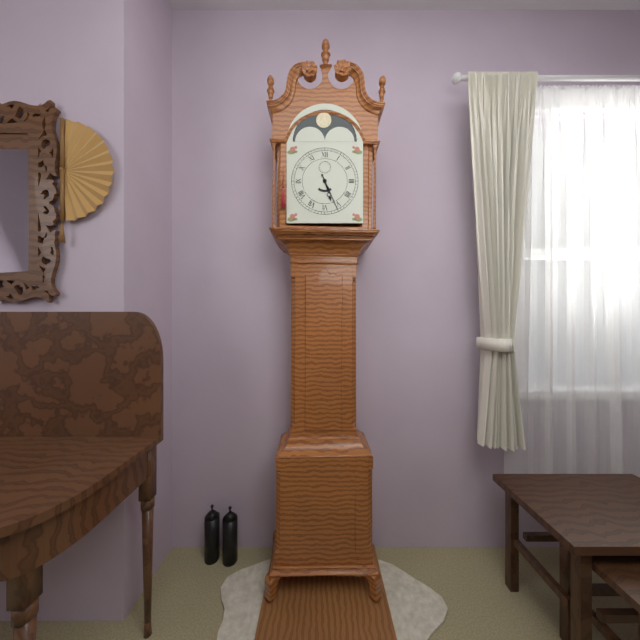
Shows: 5:26
